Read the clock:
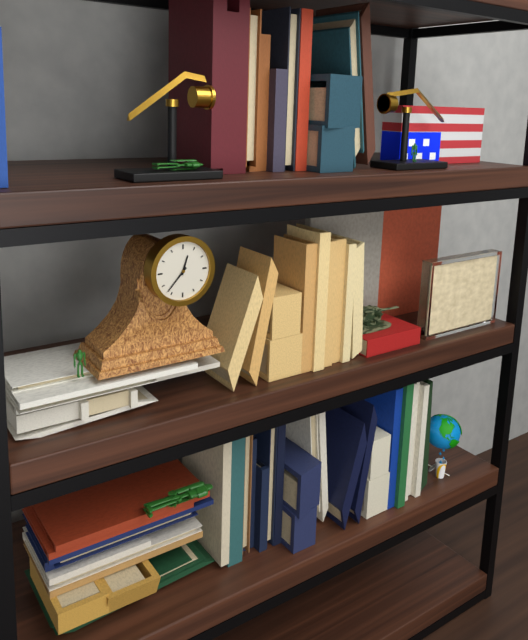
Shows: 12:37
